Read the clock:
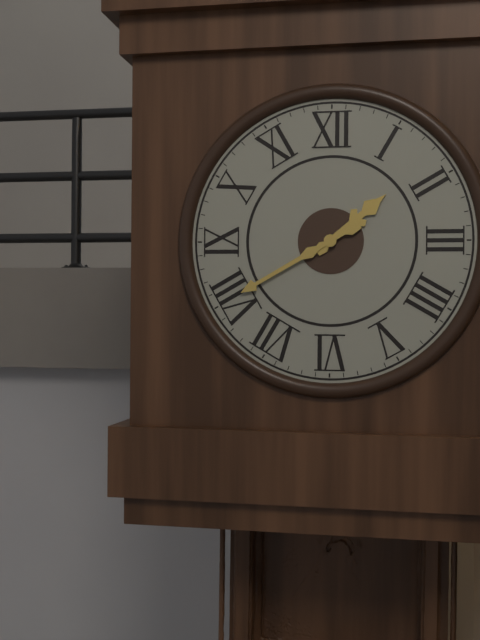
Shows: 1:40
